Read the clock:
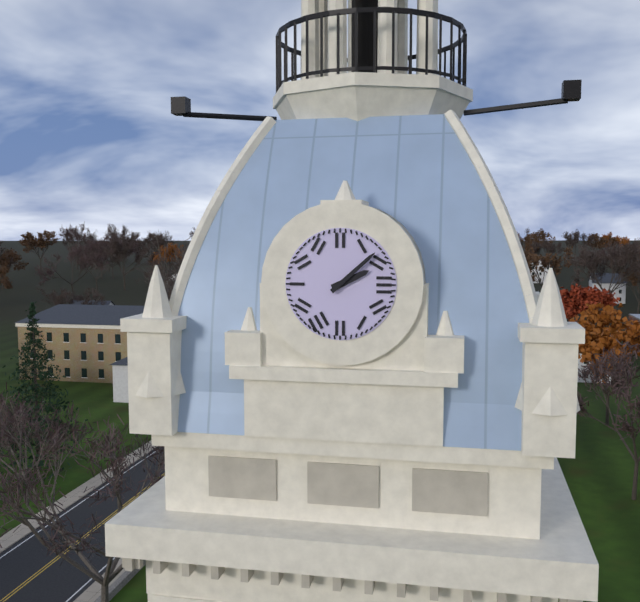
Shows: 2:08
